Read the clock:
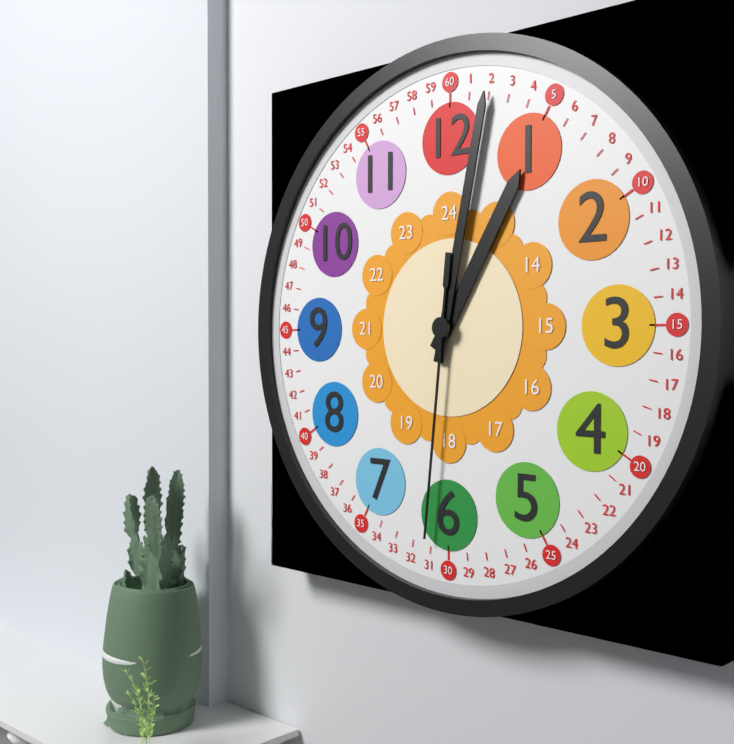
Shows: 1:02:31
